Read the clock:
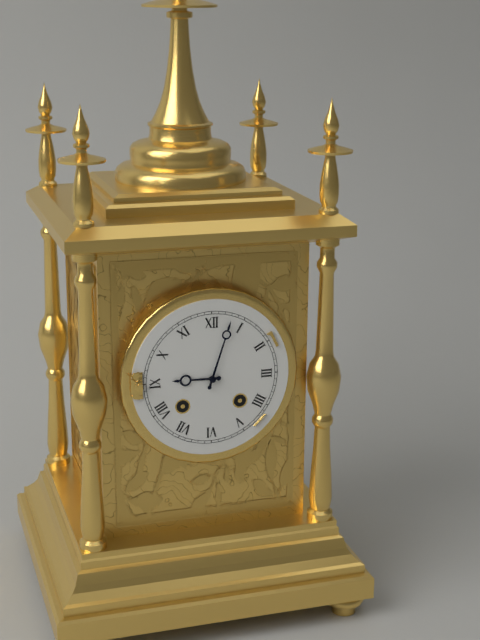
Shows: 9:03
